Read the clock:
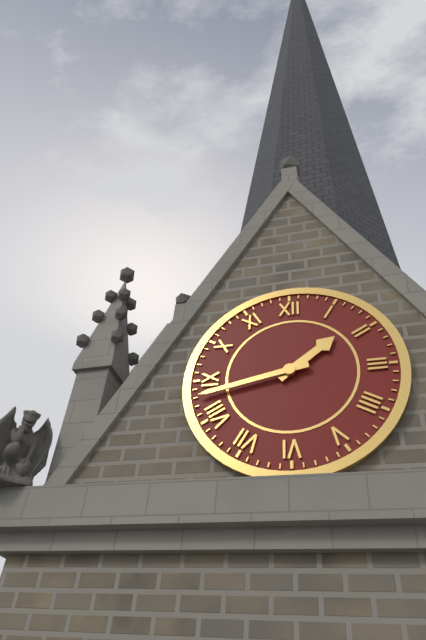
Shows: 1:43
